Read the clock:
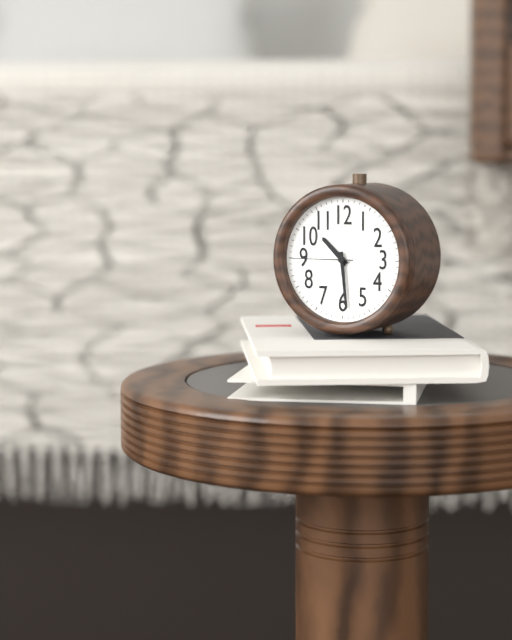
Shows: 10:29:45
